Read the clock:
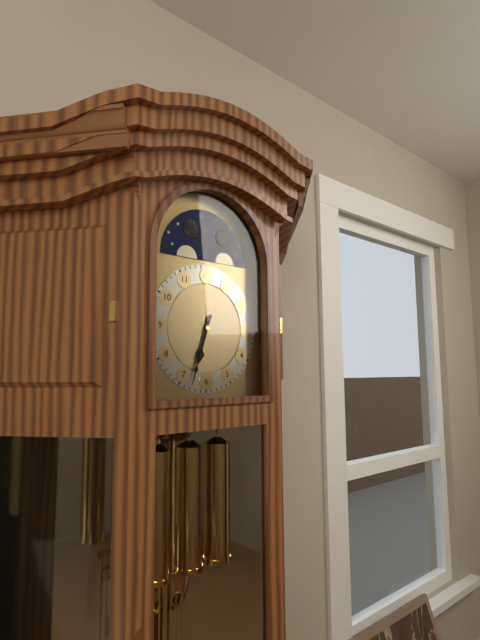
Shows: 6:33
